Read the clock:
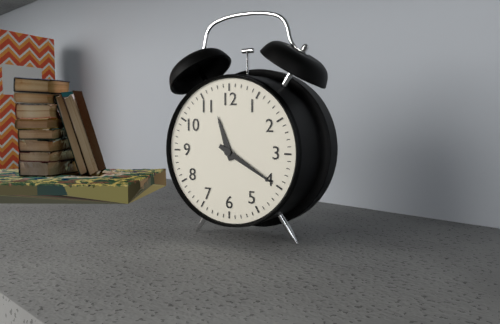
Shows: 11:20
